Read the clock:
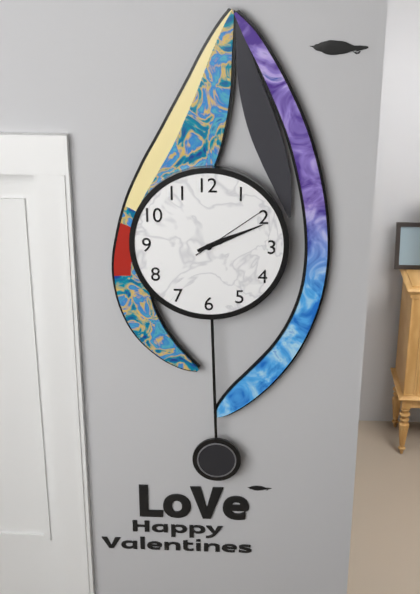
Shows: 2:11:09
